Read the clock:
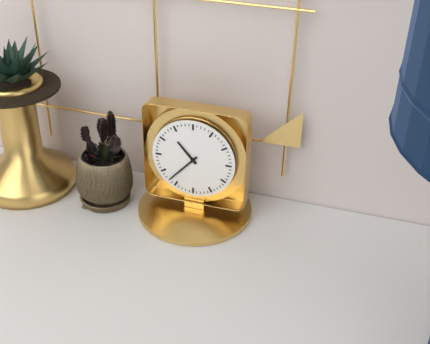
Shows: 10:37
